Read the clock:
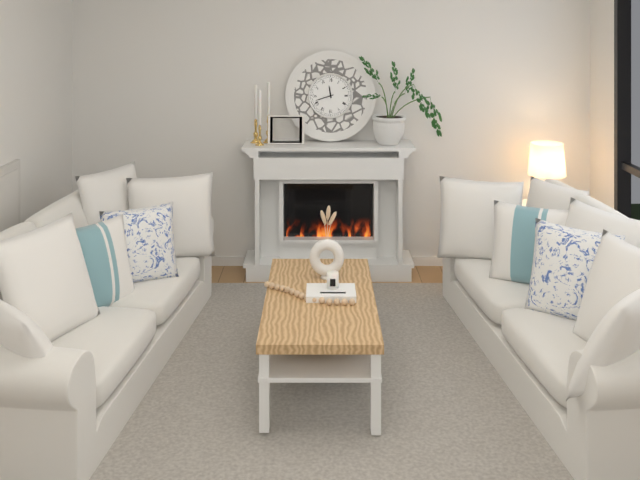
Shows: 11:42
